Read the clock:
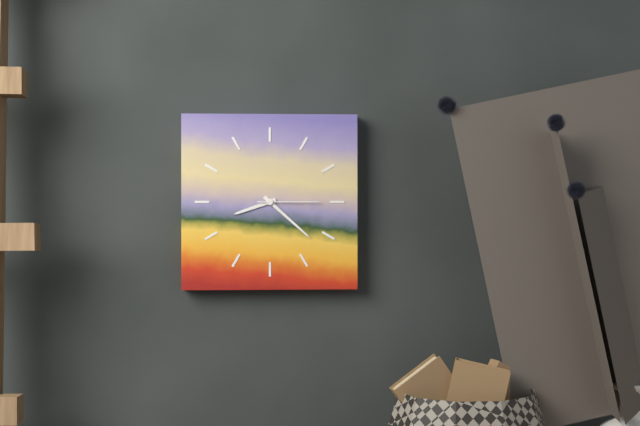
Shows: 8:22:15
